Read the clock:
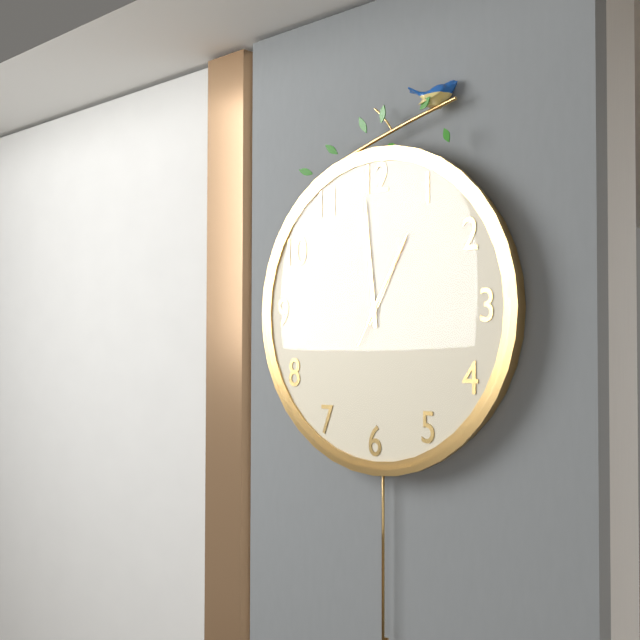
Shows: 12:59:05
